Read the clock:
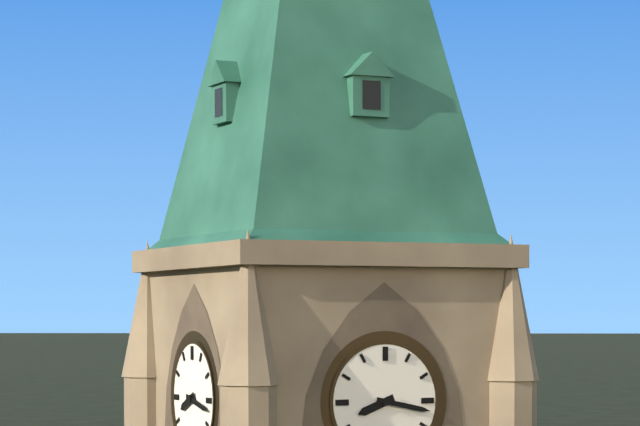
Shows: 8:17
